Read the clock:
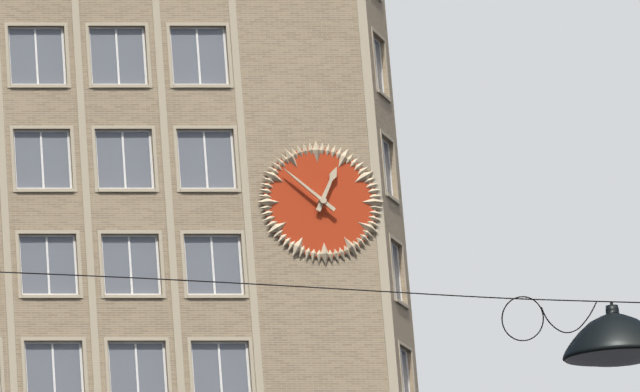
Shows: 12:52
